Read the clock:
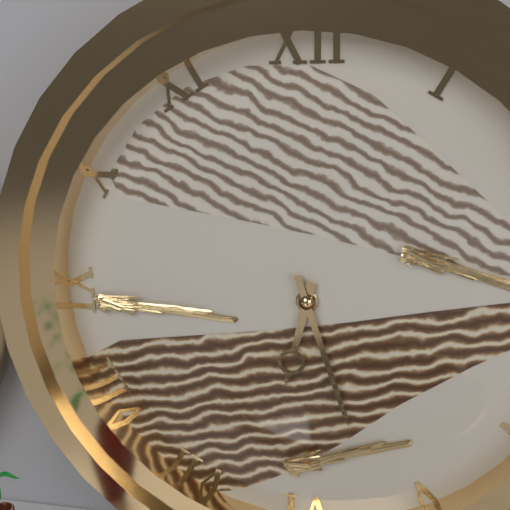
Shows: 6:27
